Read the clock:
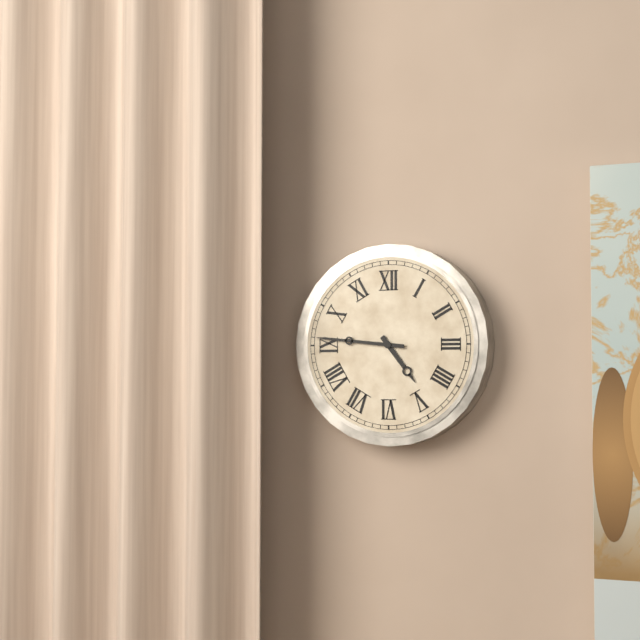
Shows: 4:46
